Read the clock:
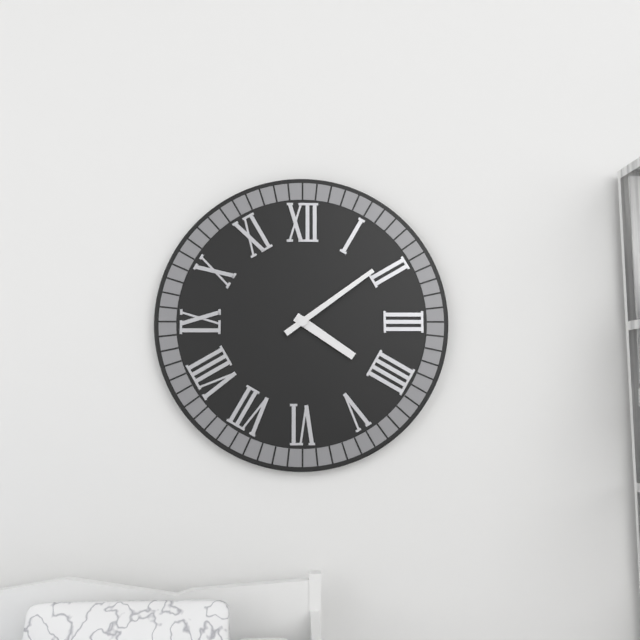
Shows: 4:09
